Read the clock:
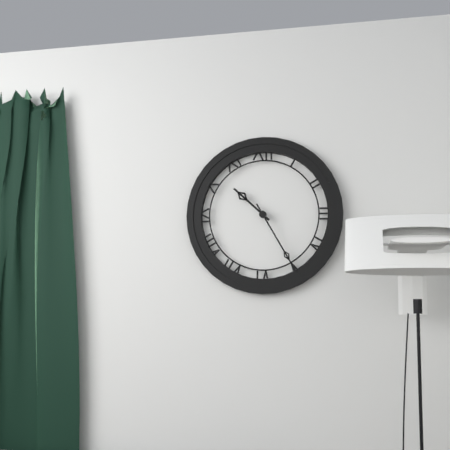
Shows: 10:25
